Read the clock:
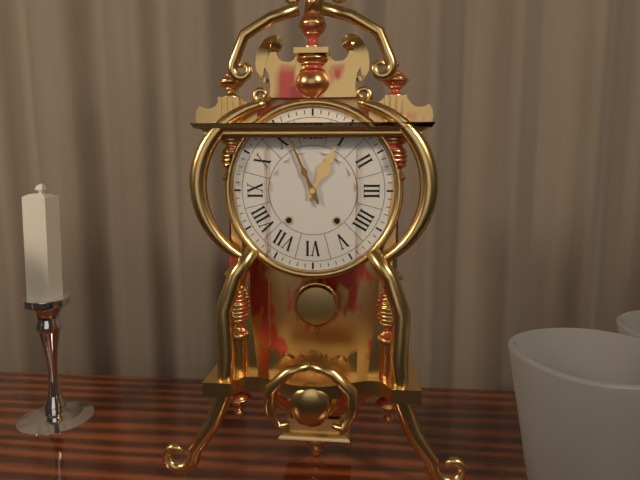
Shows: 12:56
